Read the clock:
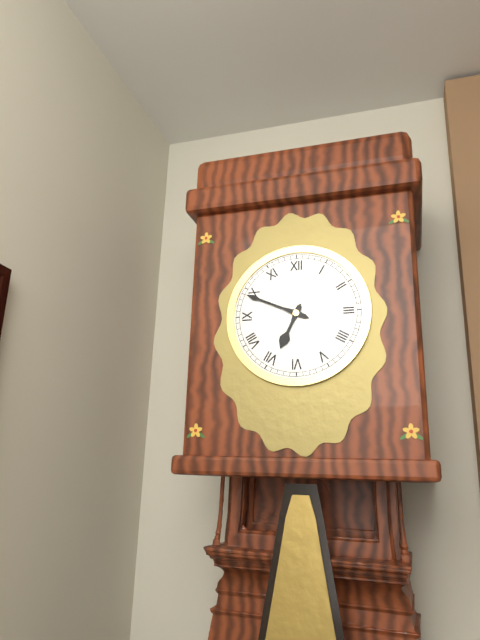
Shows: 6:49
